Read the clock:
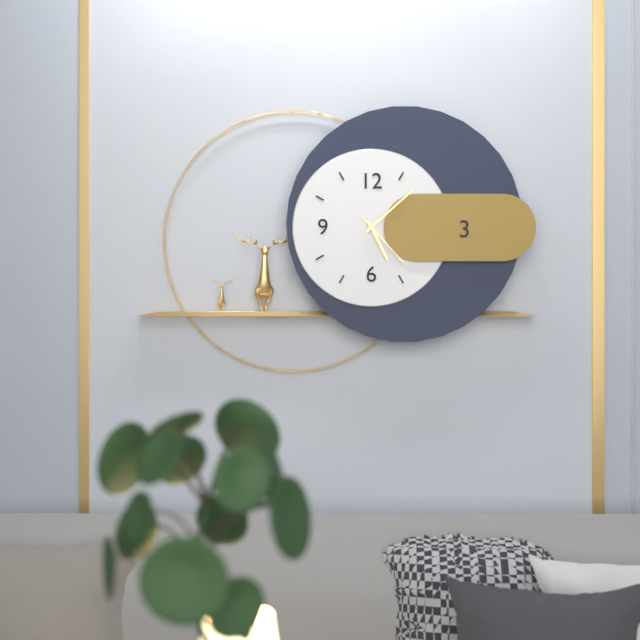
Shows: 5:08:23
